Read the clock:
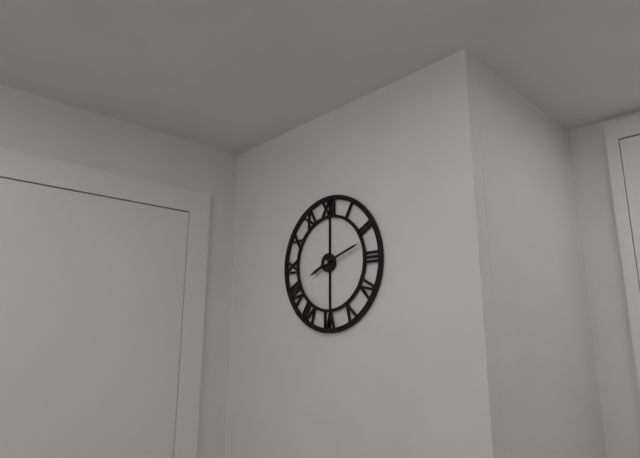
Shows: 8:12
